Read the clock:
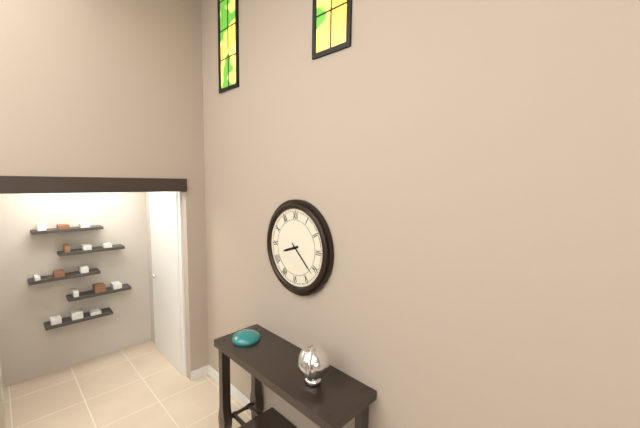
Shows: 8:22
